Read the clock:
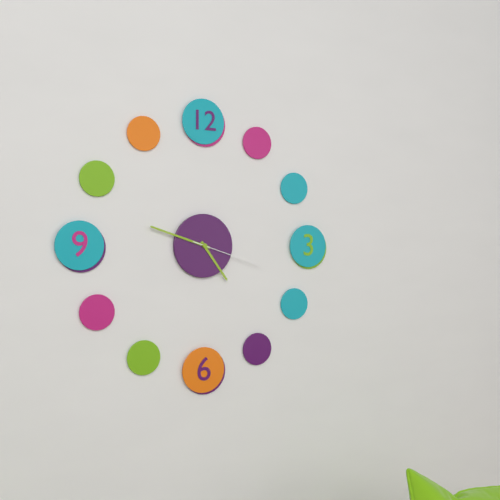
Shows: 4:48:18
